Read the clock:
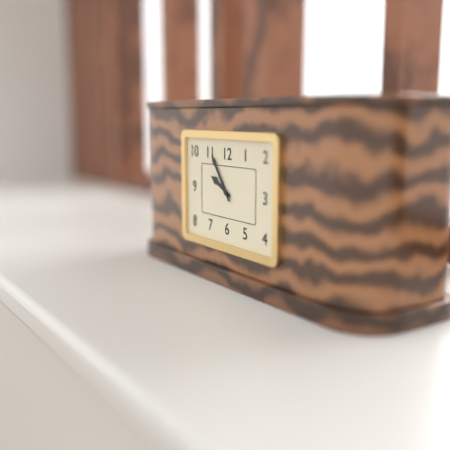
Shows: 9:54
